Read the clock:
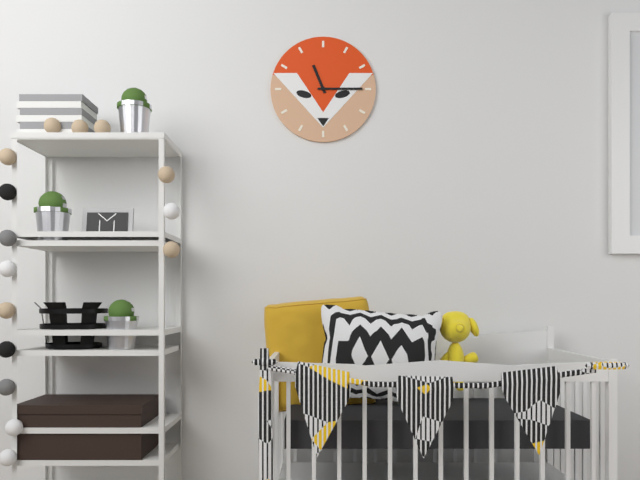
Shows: 11:15
